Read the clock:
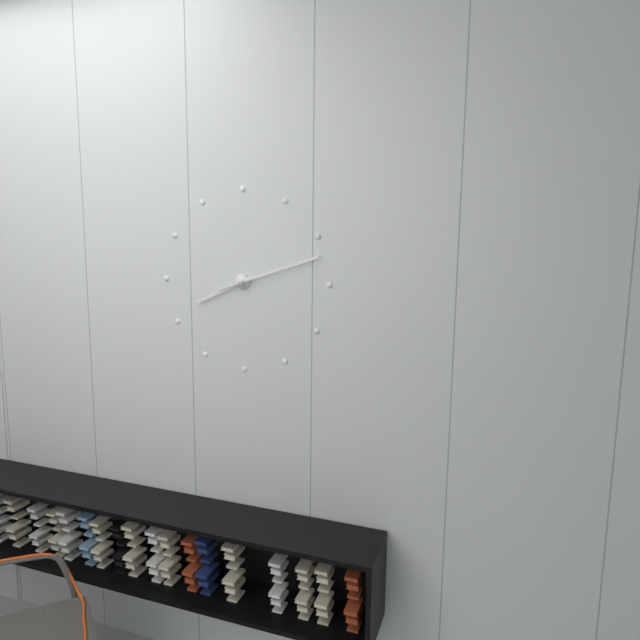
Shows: 8:12
